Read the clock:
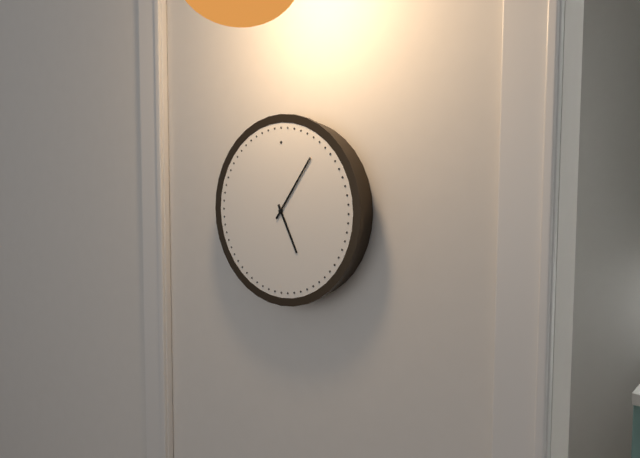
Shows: 5:06
